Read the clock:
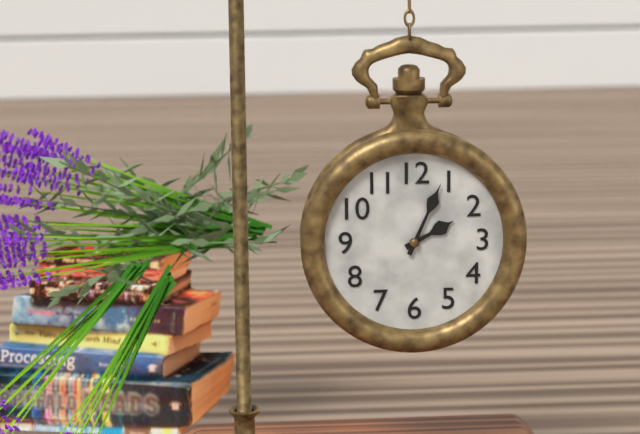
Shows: 2:04
